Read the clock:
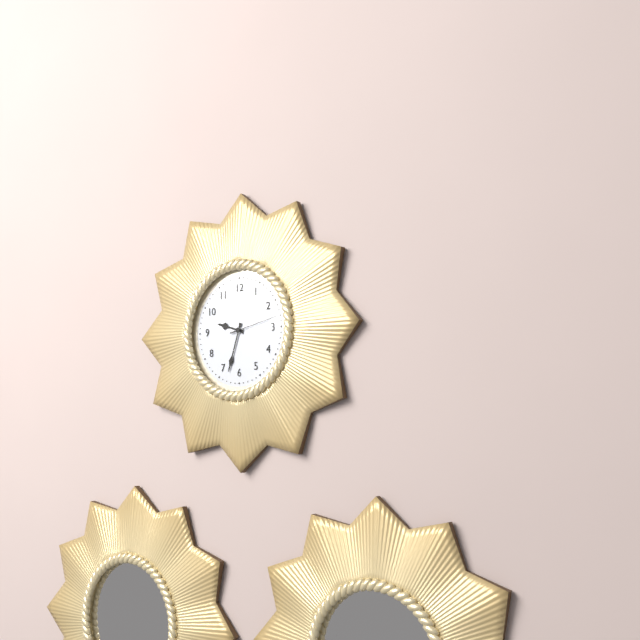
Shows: 9:33:13
